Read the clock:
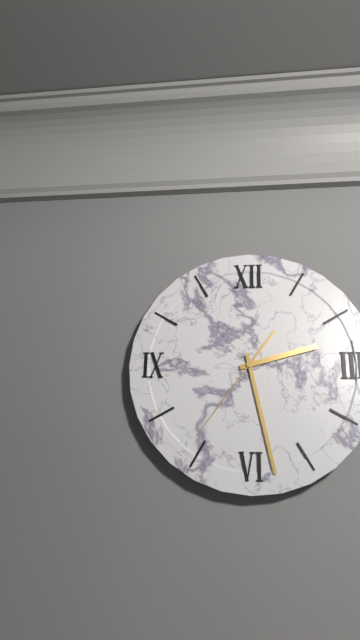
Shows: 2:28:36
